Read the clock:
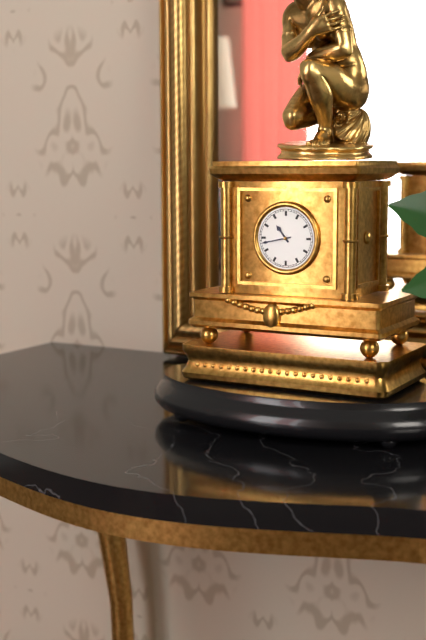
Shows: 10:43
